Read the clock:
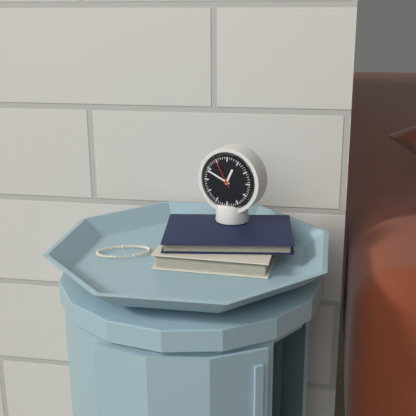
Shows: 12:49
